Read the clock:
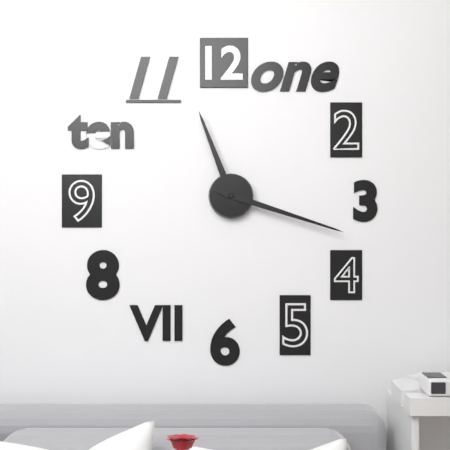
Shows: 11:18
